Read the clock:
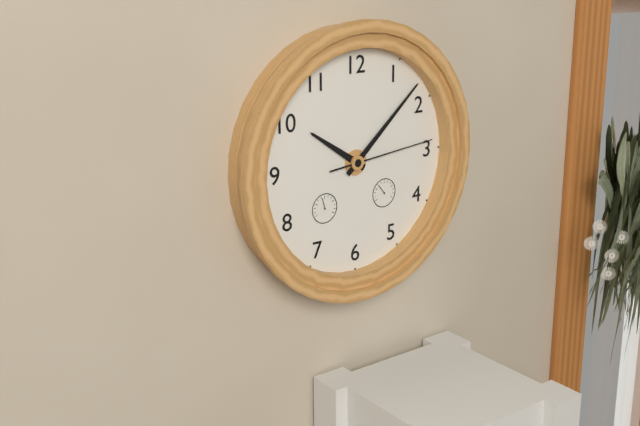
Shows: 10:08:14
